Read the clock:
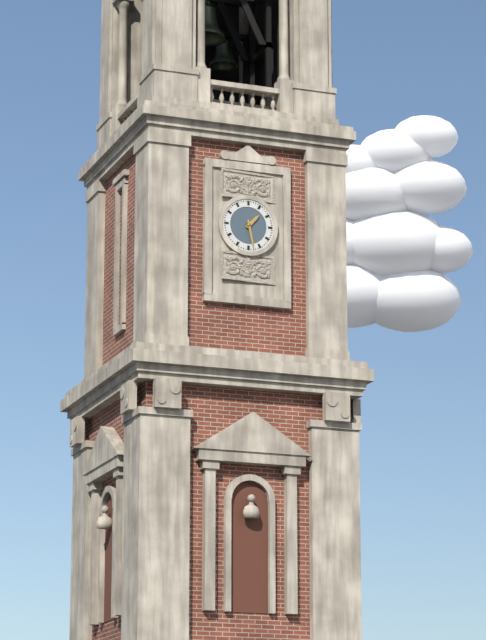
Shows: 1:28
